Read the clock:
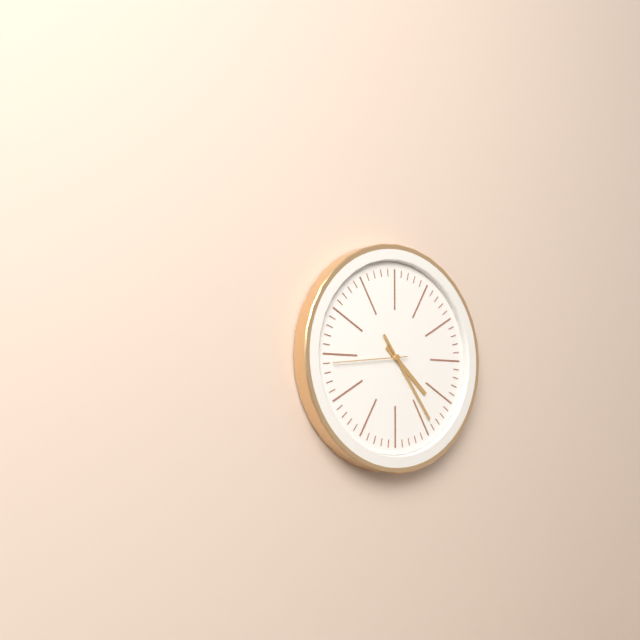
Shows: 4:24:44
